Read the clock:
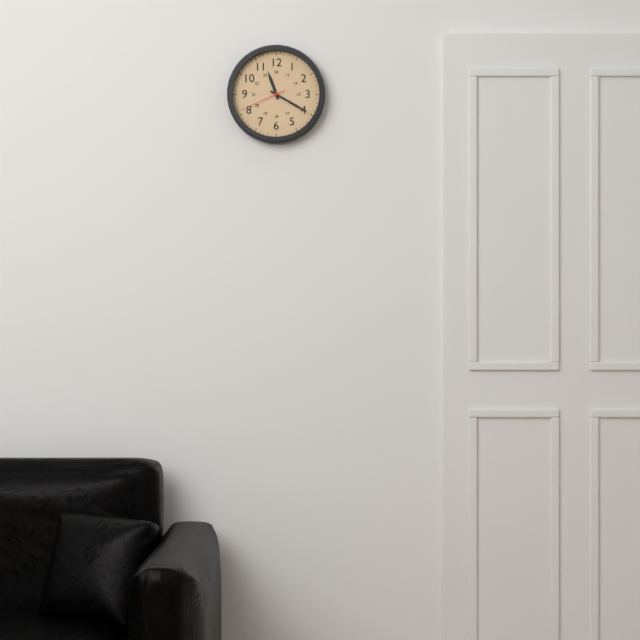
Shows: 11:20
